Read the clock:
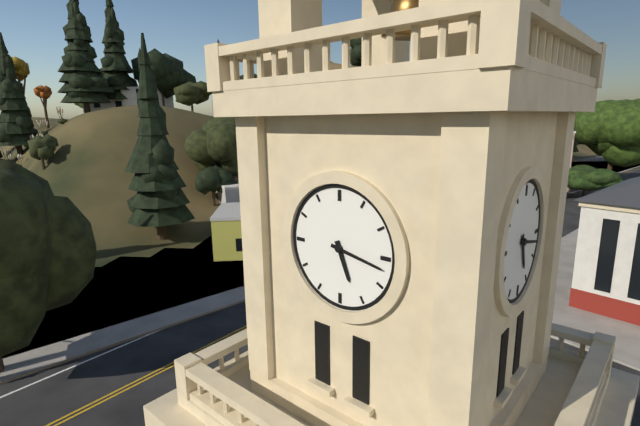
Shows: 5:17
